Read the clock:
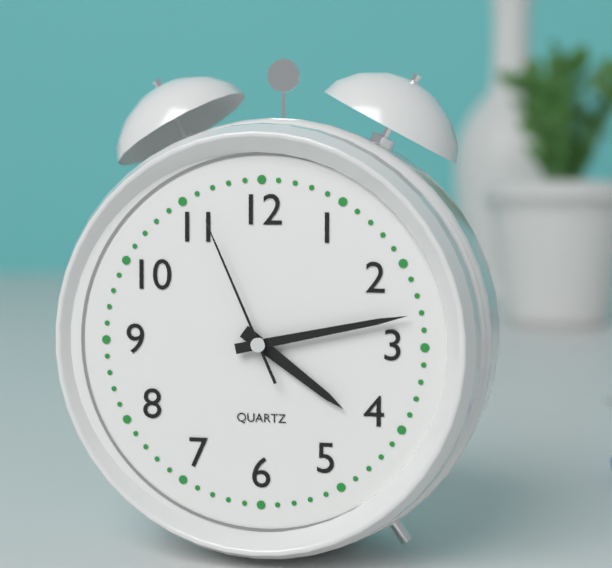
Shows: 4:13:56
